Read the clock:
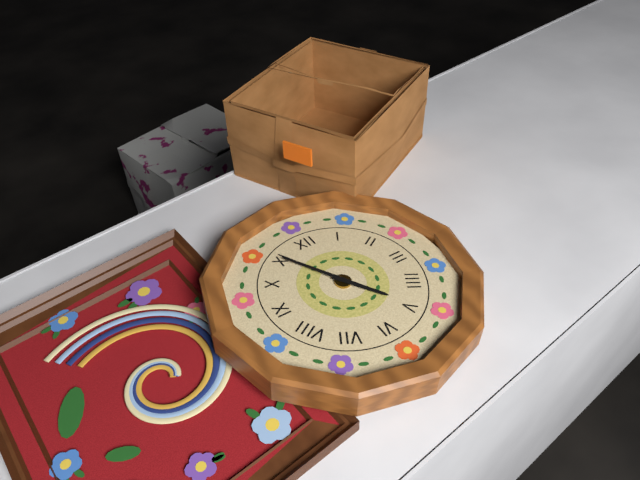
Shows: 4:55
